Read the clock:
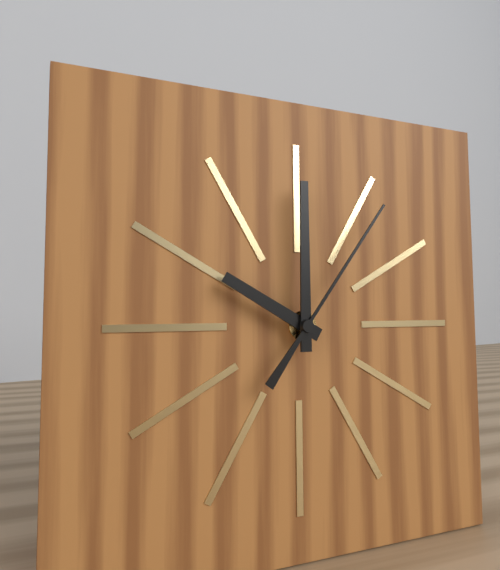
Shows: 10:00:06
